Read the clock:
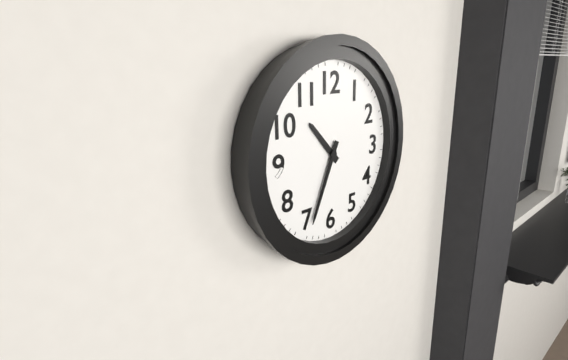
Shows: 10:34
